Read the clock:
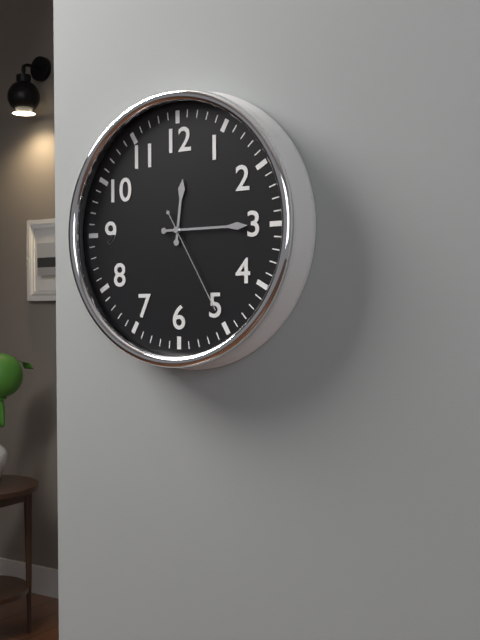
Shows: 12:15:25
